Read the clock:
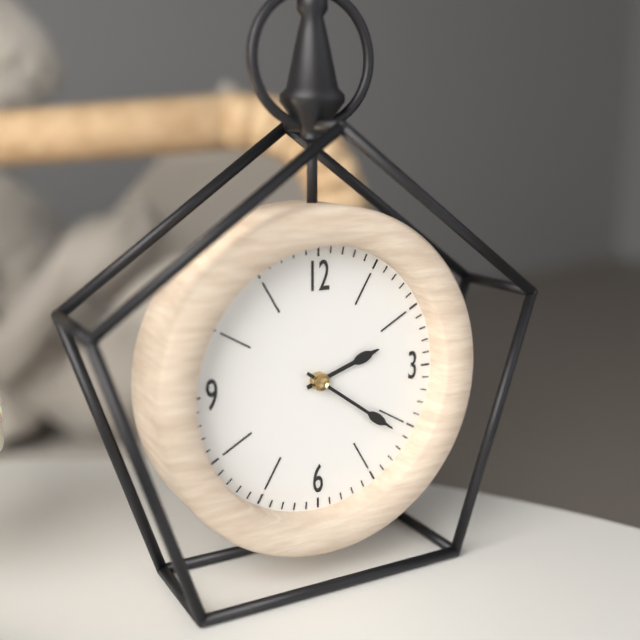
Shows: 2:21
